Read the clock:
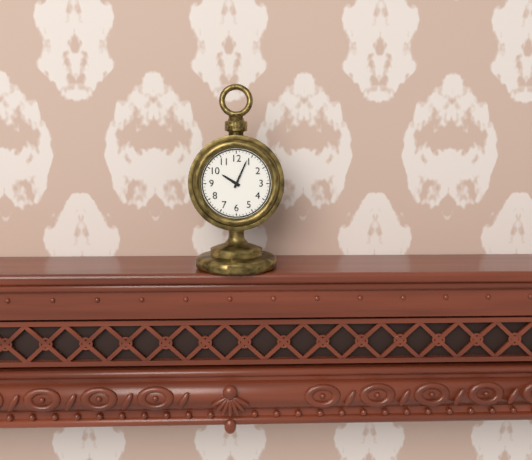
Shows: 10:04
